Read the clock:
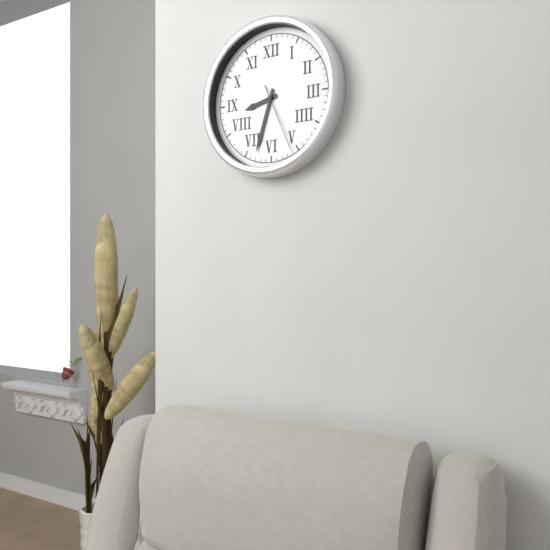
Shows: 8:33:26
